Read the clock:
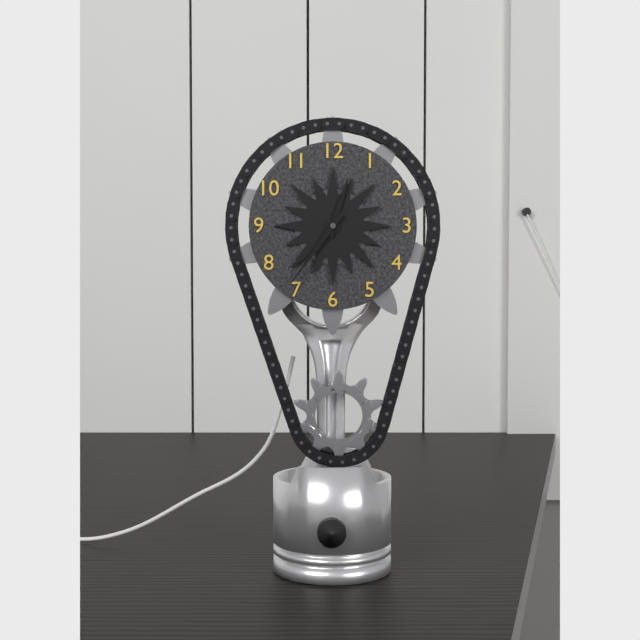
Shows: 12:36
